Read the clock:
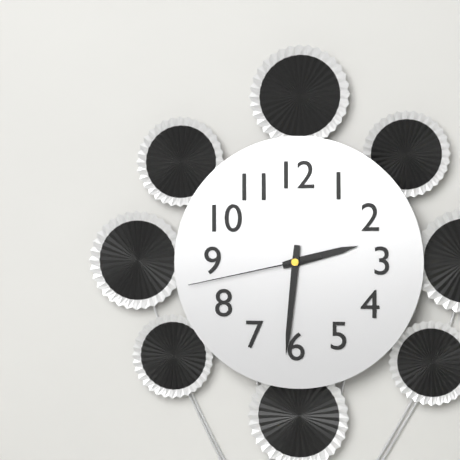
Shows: 2:31:43
